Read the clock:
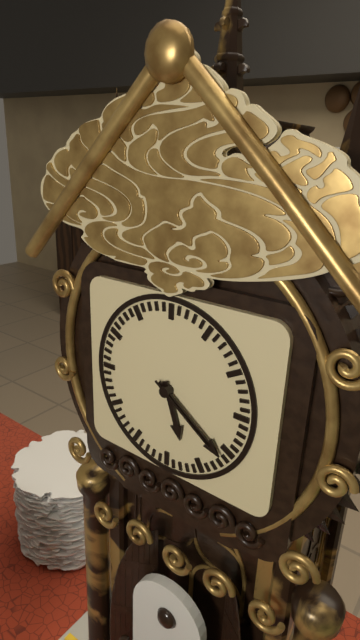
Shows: 5:21:21
